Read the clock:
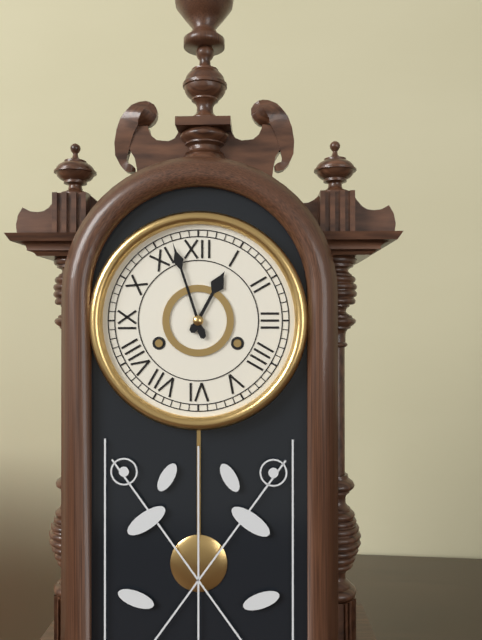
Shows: 12:57
